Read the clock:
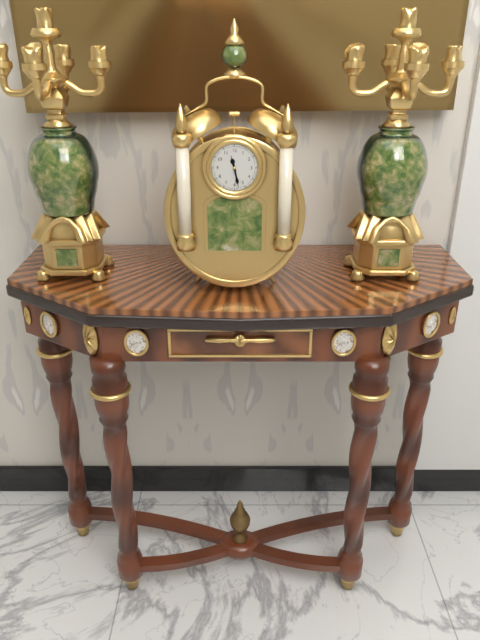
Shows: 11:28
